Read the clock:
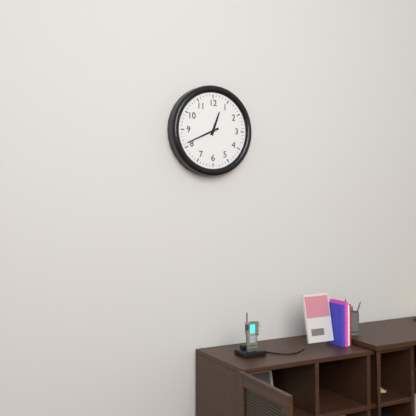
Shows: 12:41
